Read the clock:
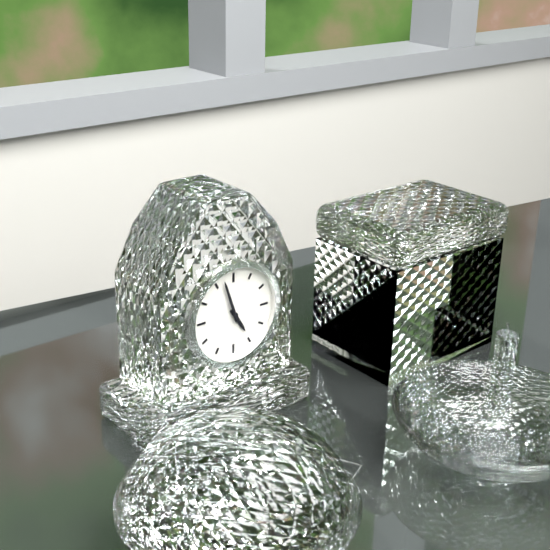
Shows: 4:57
